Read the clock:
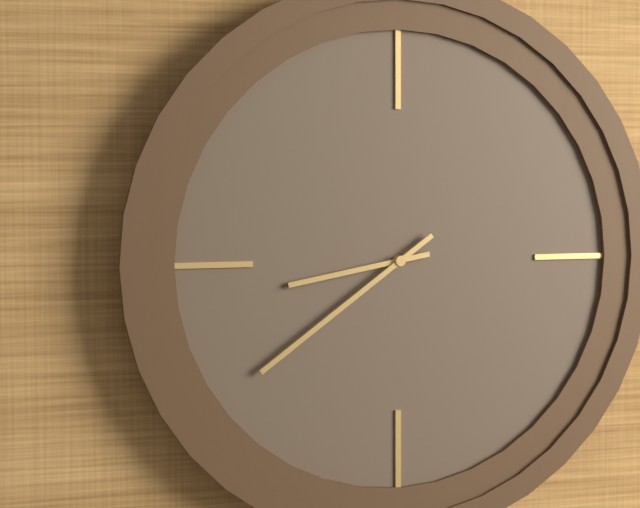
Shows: 8:39
